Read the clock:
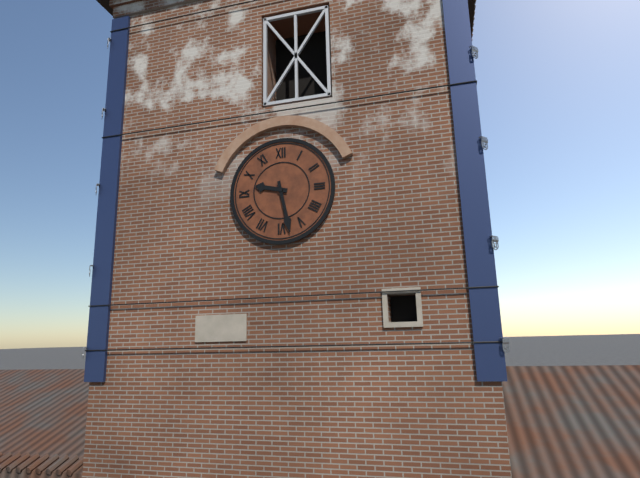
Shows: 9:28
